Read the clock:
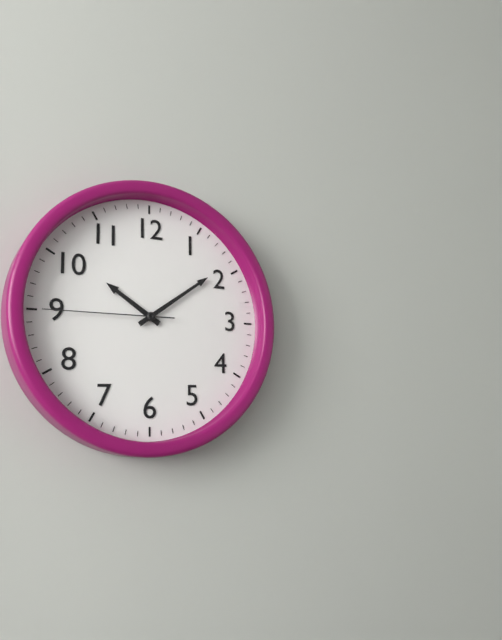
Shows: 10:09:45
